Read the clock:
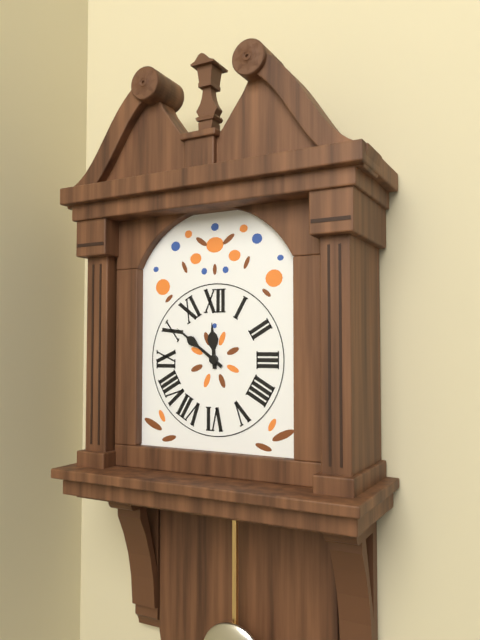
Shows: 11:51
